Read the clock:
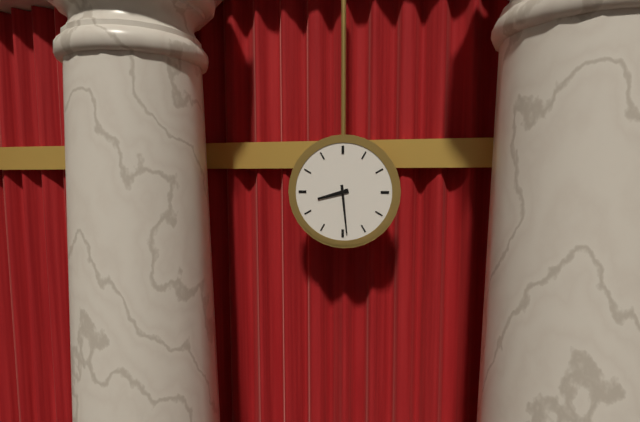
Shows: 8:29
